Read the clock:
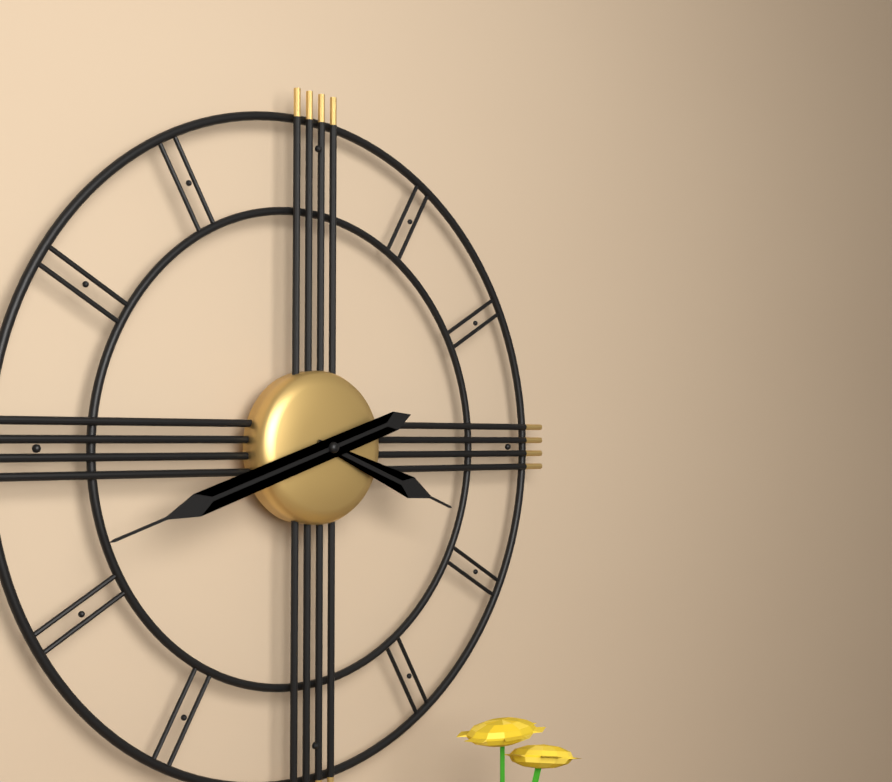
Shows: 3:42
